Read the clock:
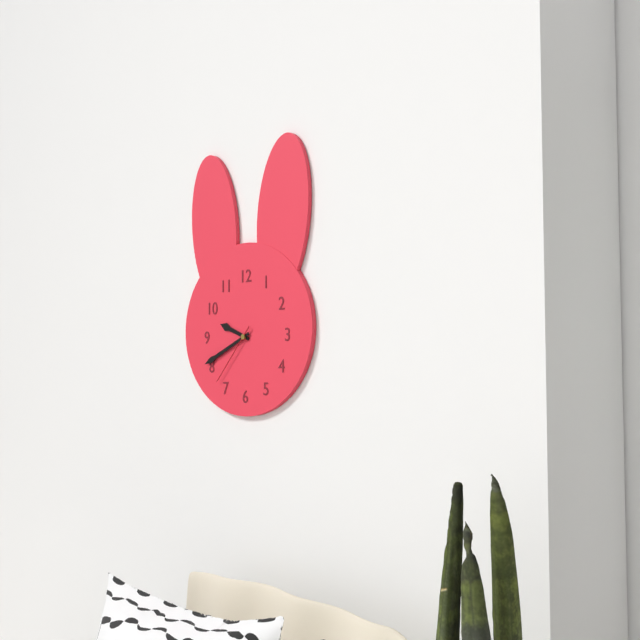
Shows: 9:41:37
